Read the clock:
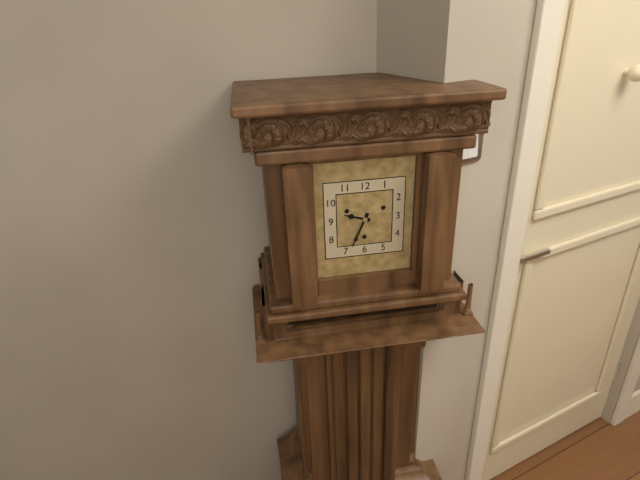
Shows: 9:34
